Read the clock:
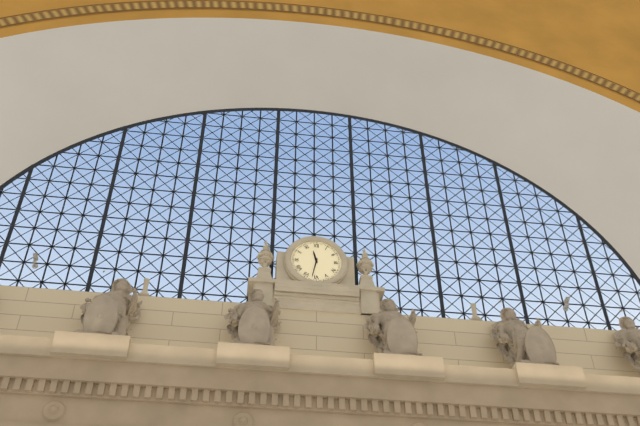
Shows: 11:32
